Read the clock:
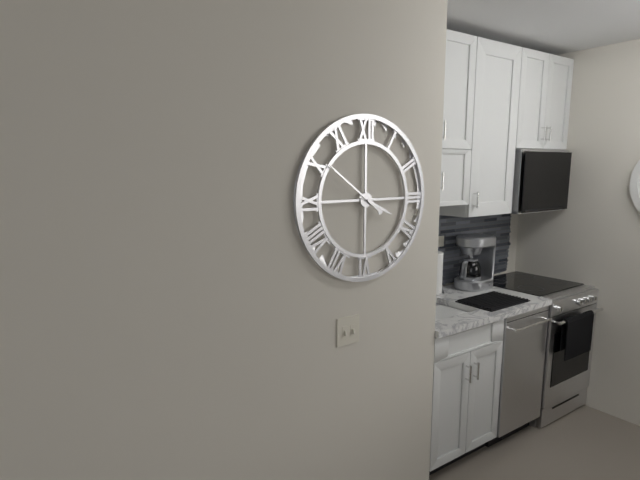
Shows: 3:51
